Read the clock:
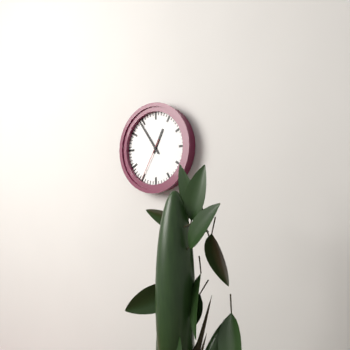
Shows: 12:54
